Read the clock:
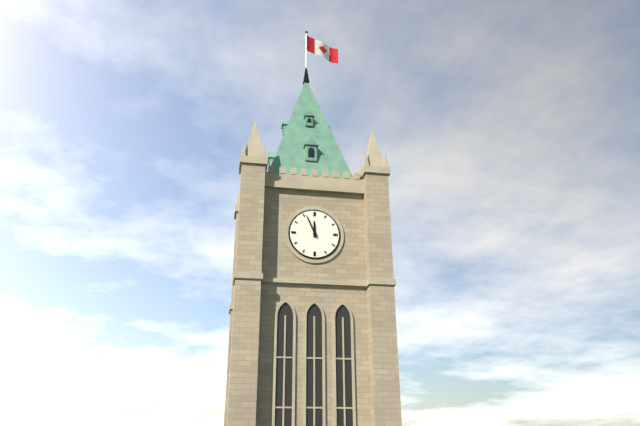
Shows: 11:56
